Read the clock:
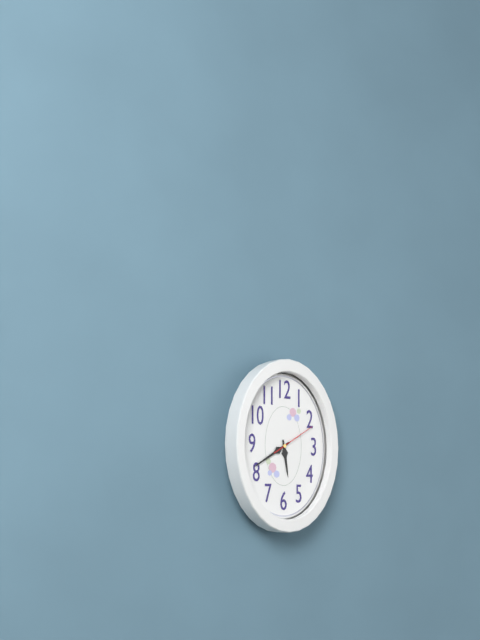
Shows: 5:40
